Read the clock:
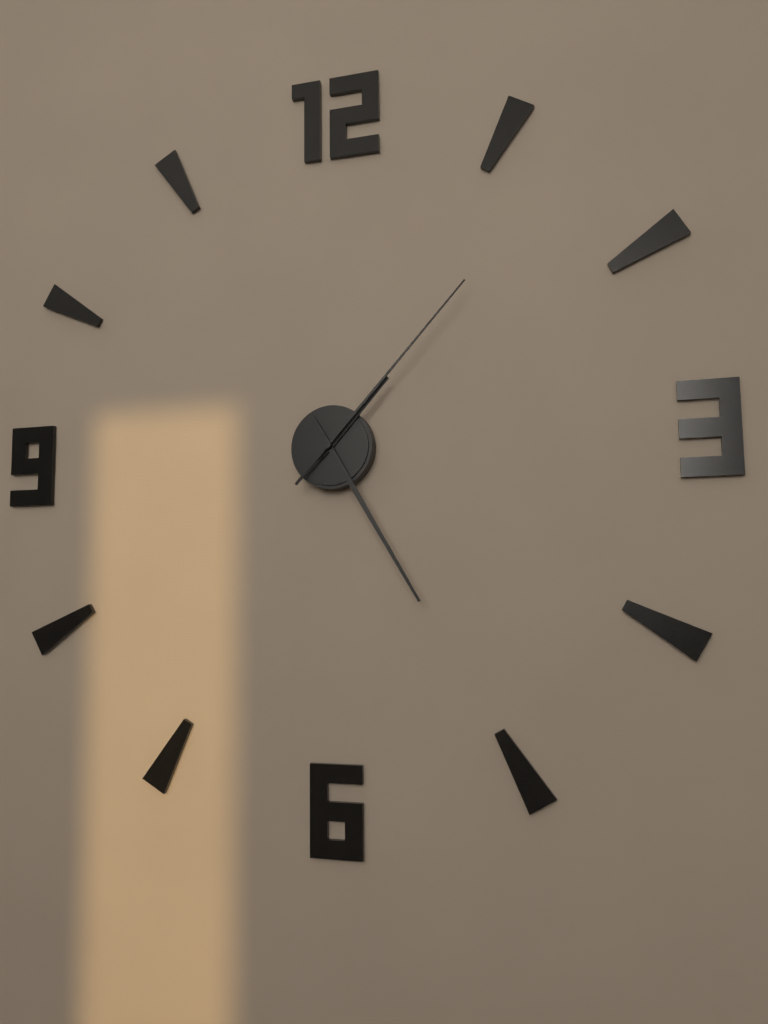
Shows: 1:25:07
